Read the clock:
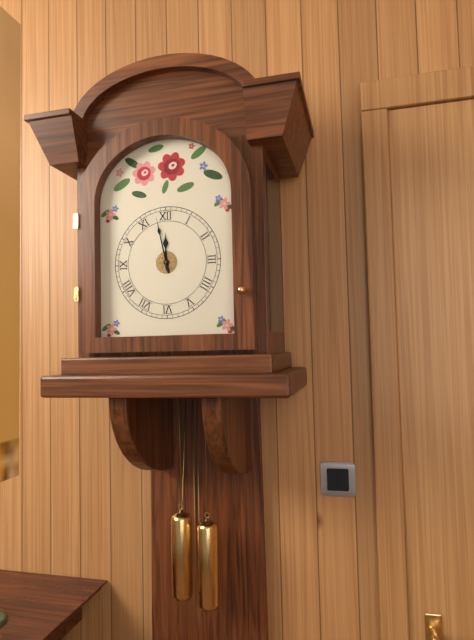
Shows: 11:58
